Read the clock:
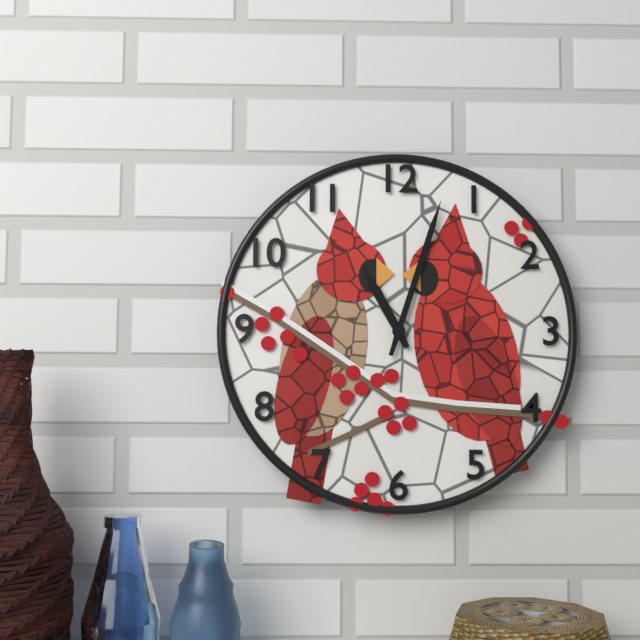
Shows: 11:03
